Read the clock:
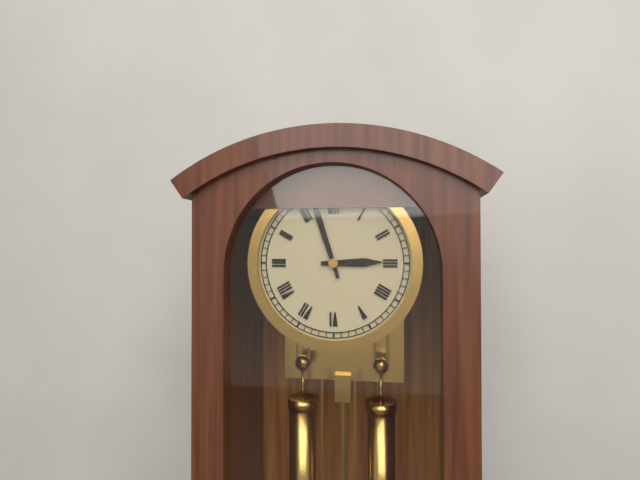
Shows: 2:57
